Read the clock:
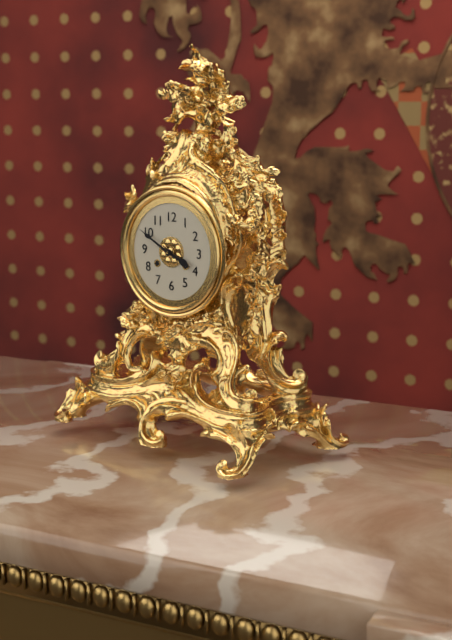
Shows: 3:50
